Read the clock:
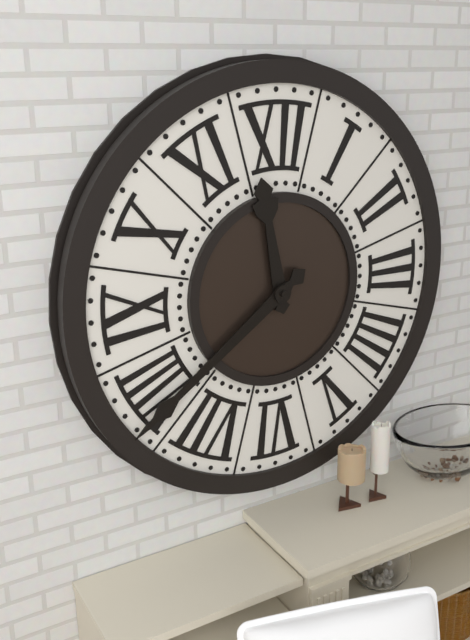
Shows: 11:39
